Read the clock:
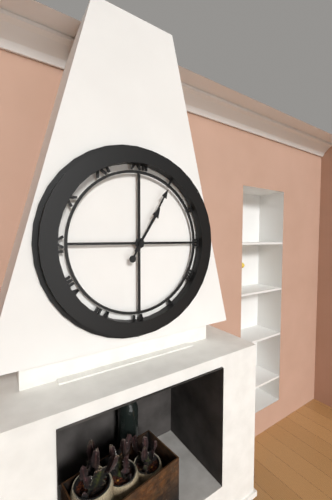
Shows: 1:05
